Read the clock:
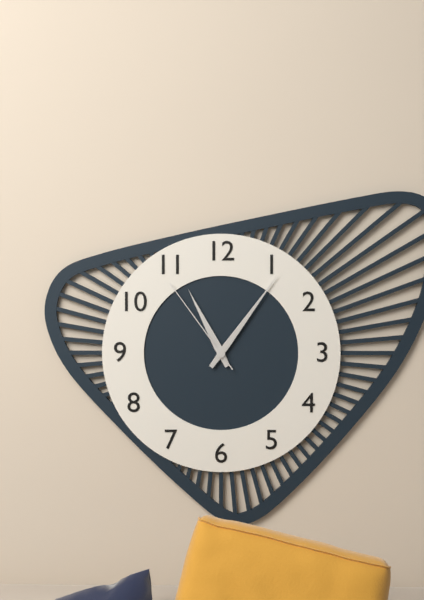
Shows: 11:06:54
